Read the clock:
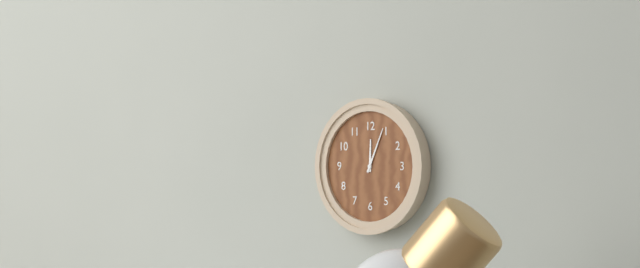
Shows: 12:04
